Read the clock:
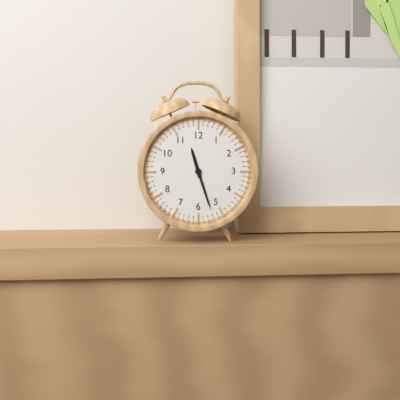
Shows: 11:27
